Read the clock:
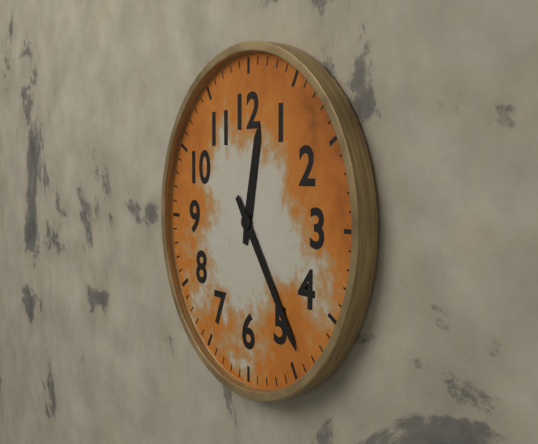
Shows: 12:24
